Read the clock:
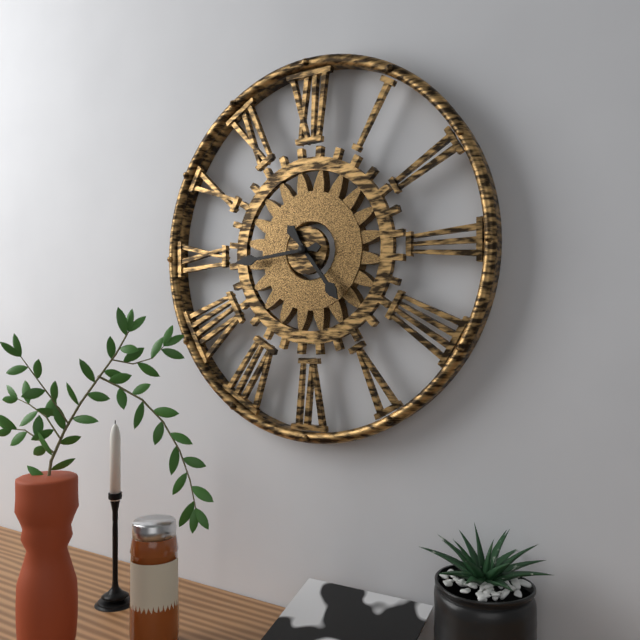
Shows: 4:44
